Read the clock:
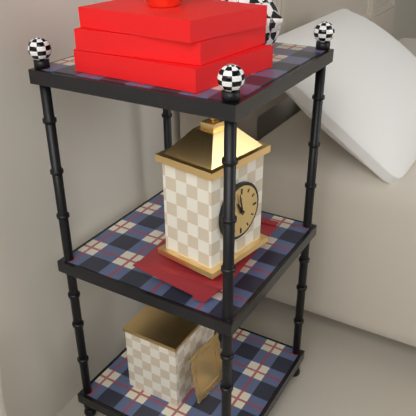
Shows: 10:58
